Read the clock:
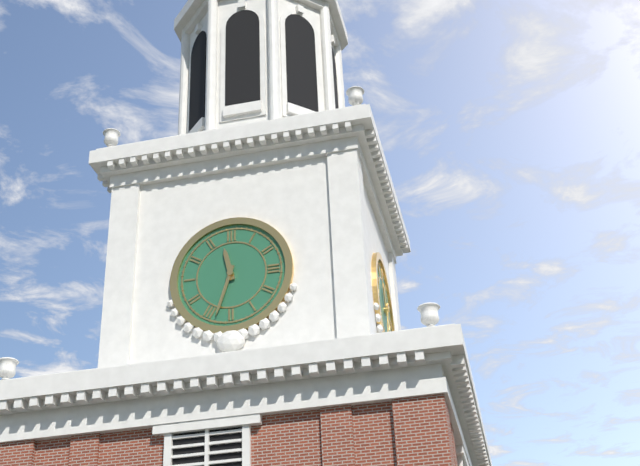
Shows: 11:33
